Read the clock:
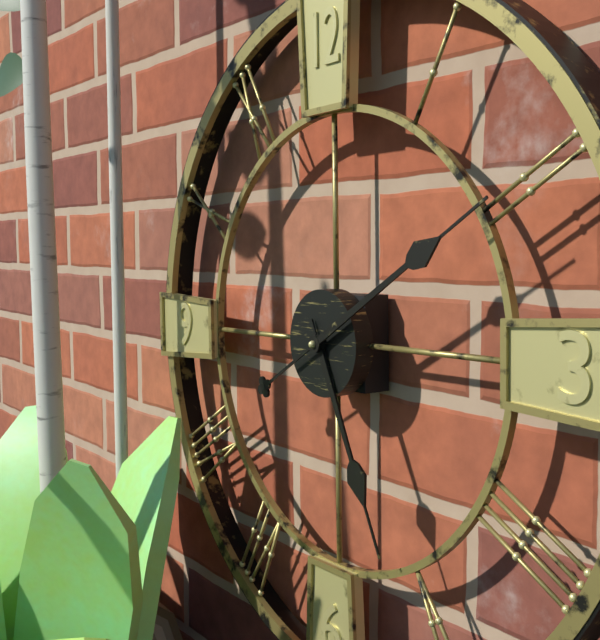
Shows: 5:10
